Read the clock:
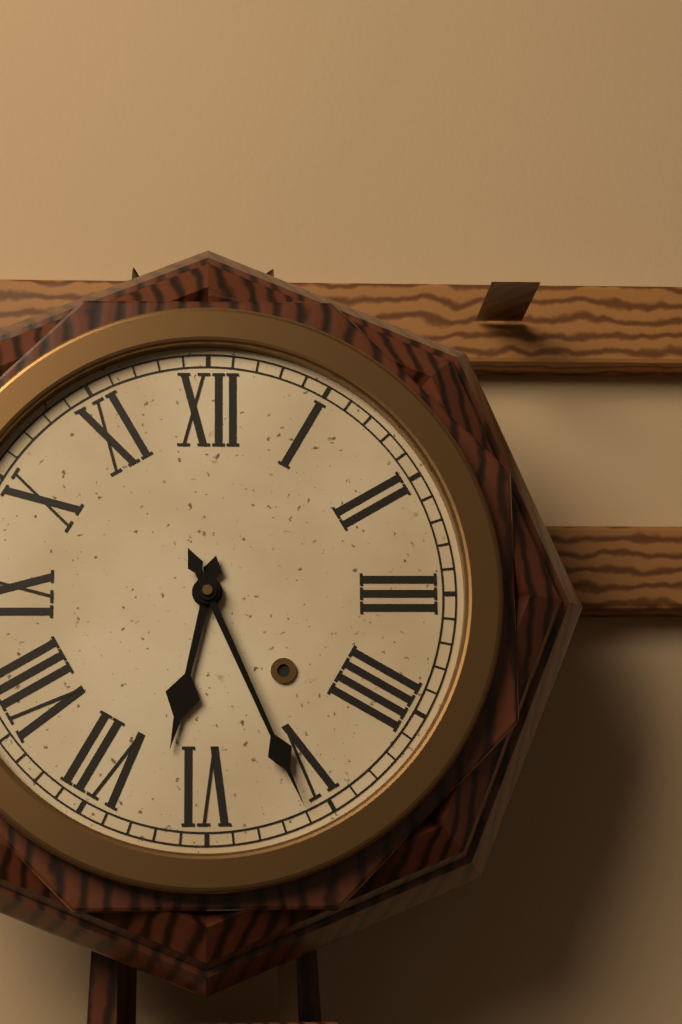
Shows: 6:26
